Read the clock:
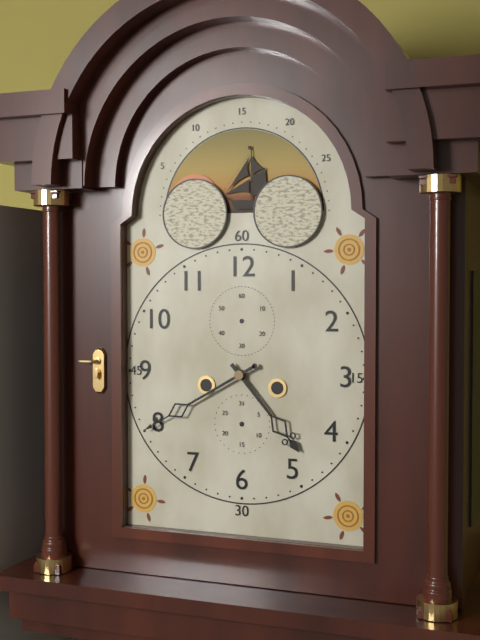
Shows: 4:40
